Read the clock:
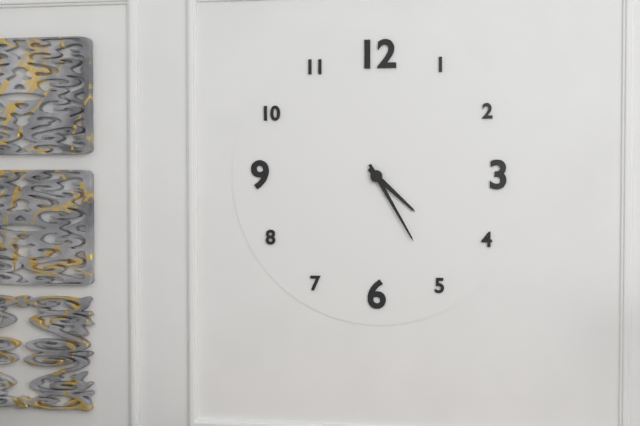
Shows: 4:25
